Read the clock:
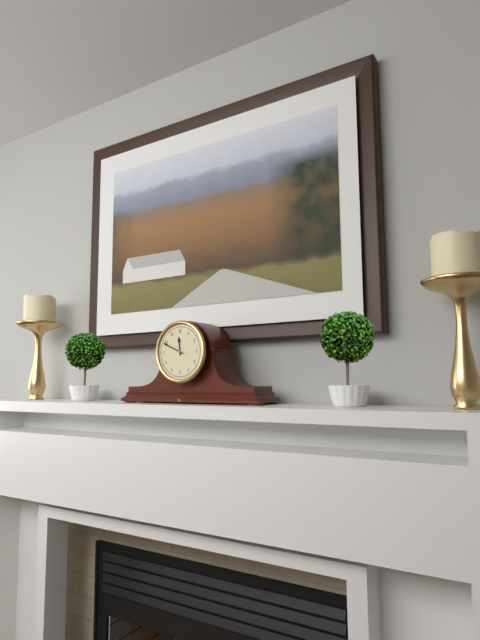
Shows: 11:49
